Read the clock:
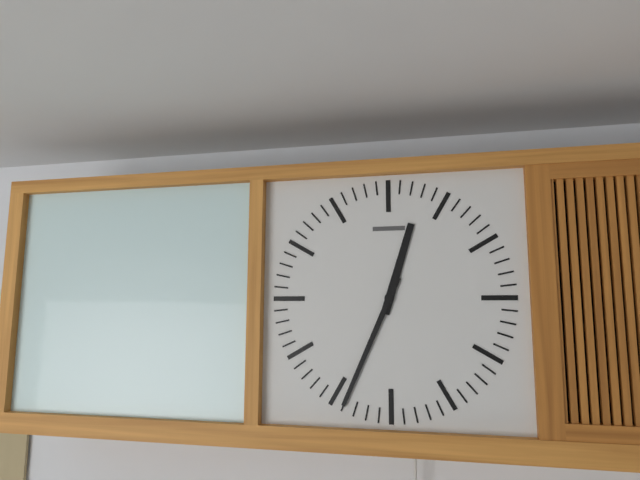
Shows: 12:34
